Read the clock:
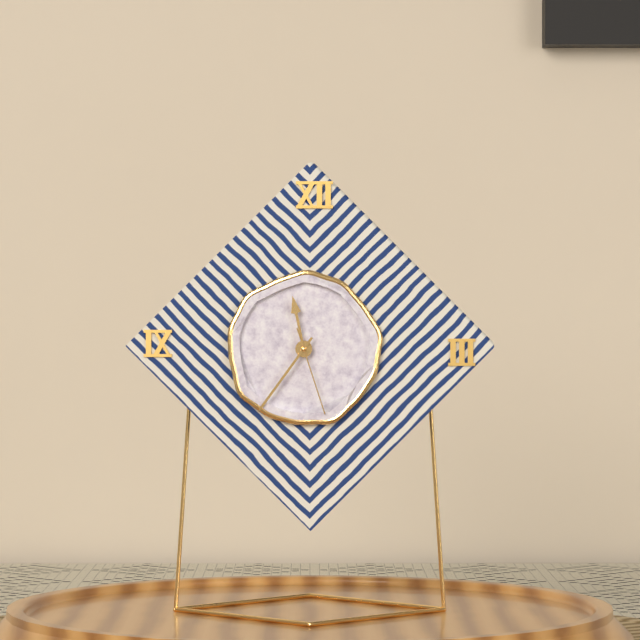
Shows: 11:36:27
